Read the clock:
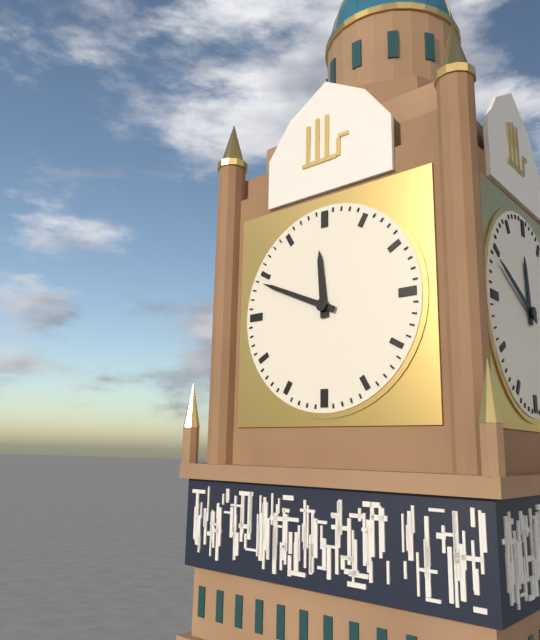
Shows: 11:49
